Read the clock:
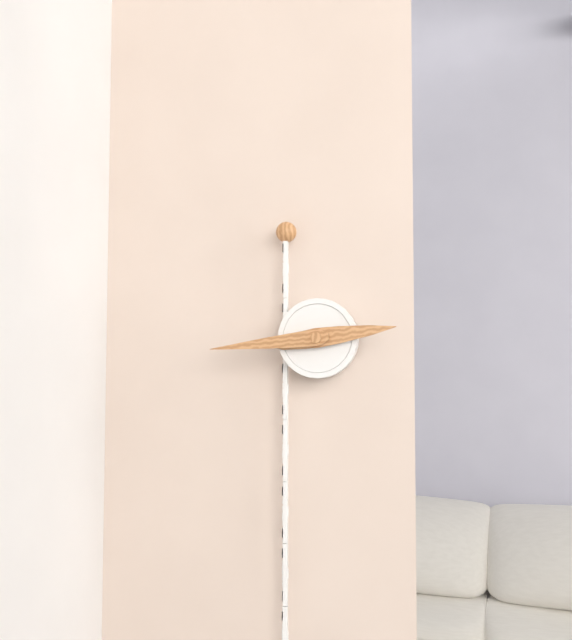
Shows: 2:44
